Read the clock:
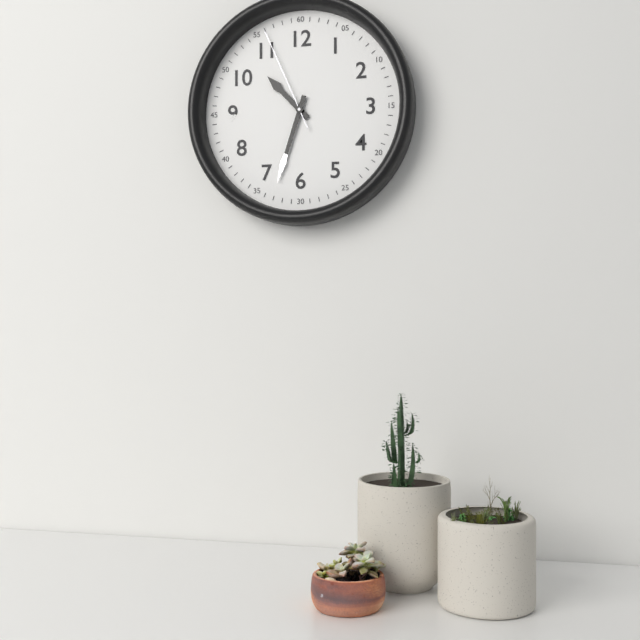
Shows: 10:33:56
